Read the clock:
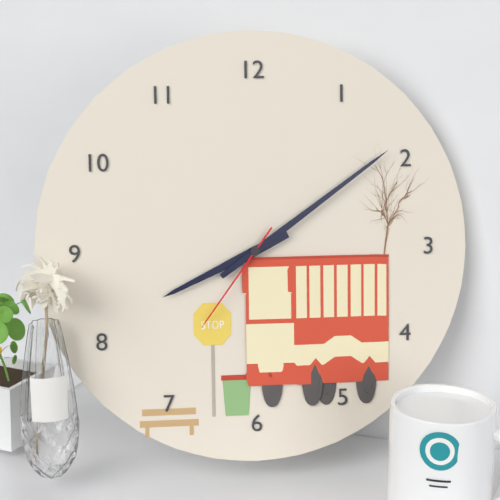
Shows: 8:09:36
